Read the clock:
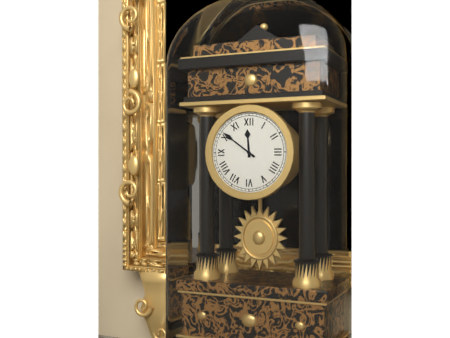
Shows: 11:51
